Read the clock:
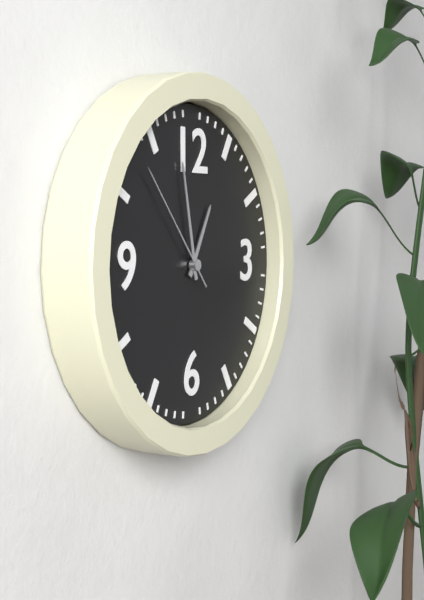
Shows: 12:58:53
